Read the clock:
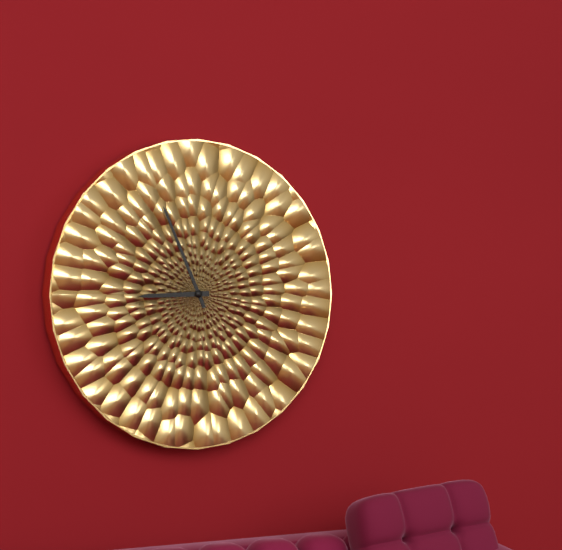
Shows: 8:56
